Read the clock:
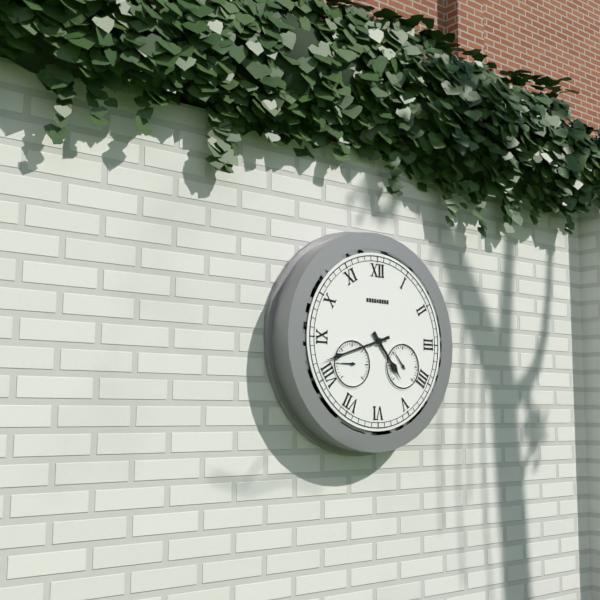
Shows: 4:42
